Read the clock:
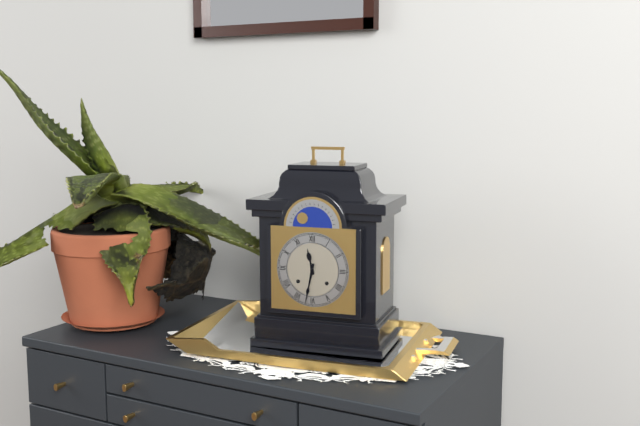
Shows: 11:32
